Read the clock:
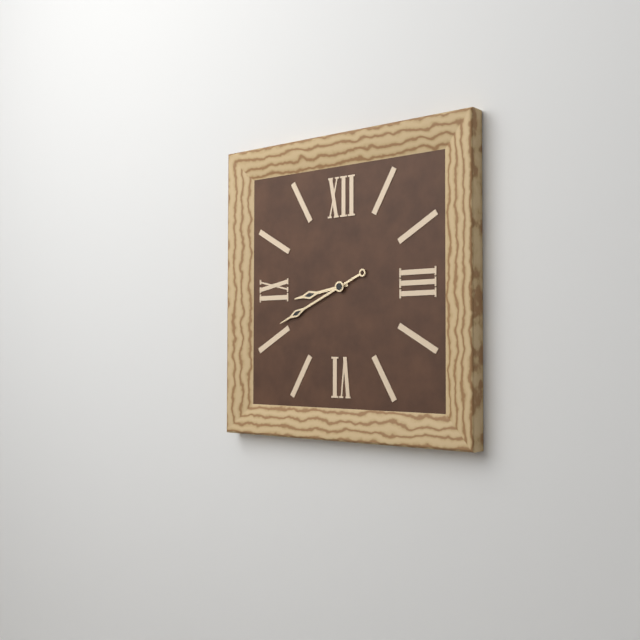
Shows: 8:41
